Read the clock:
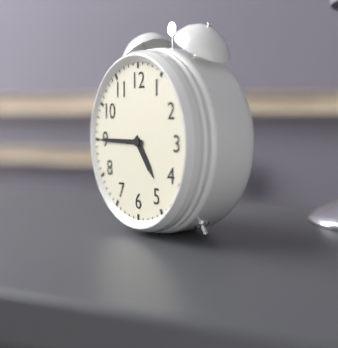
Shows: 4:45
